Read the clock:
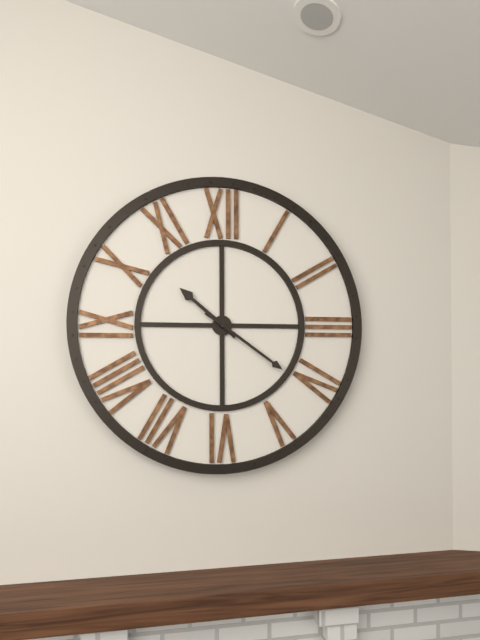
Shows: 10:21
